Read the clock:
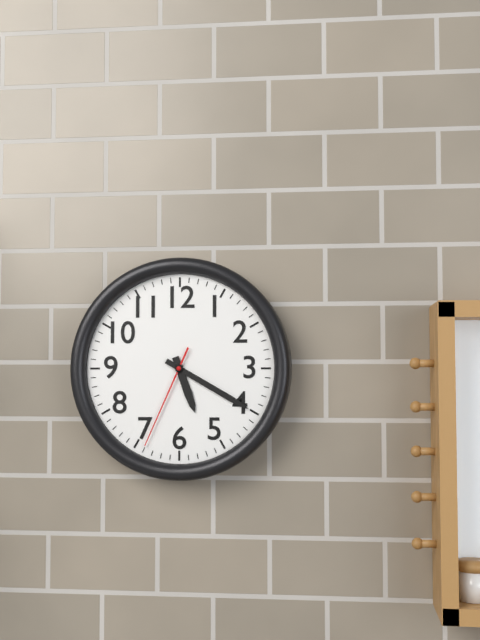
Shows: 5:20:34
